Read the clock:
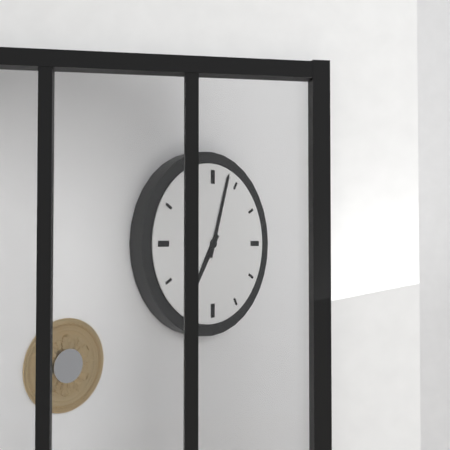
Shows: 7:03
